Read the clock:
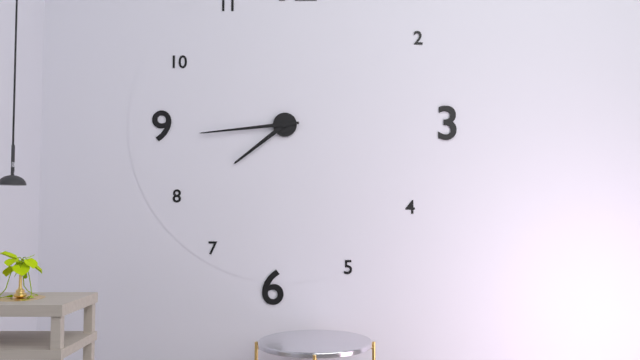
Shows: 7:44
